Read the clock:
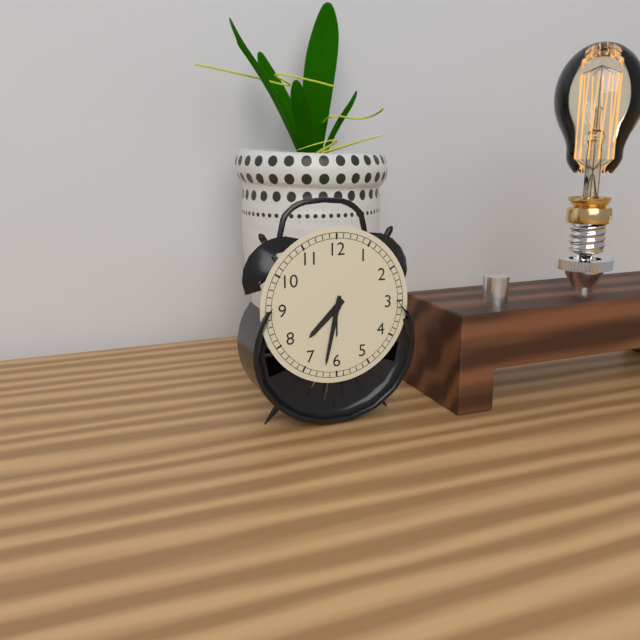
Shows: 7:32
